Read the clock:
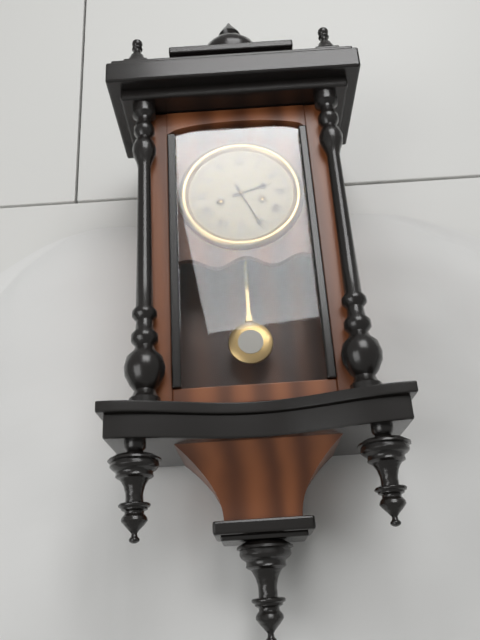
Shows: 2:26
